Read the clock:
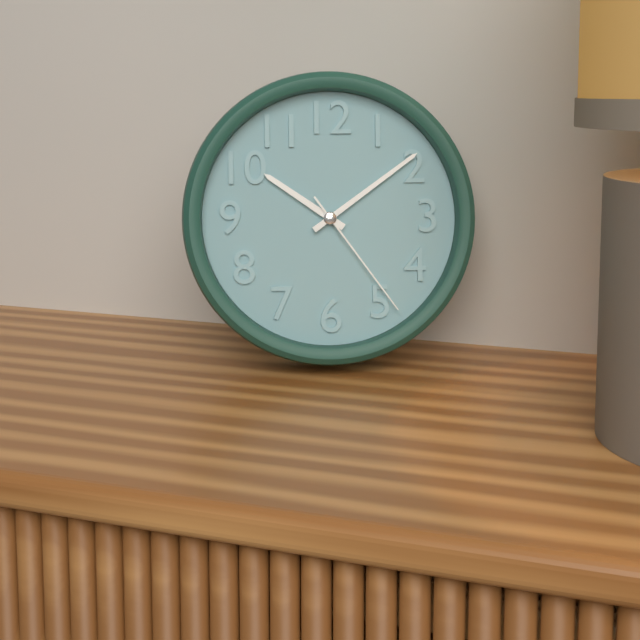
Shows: 10:09:24
